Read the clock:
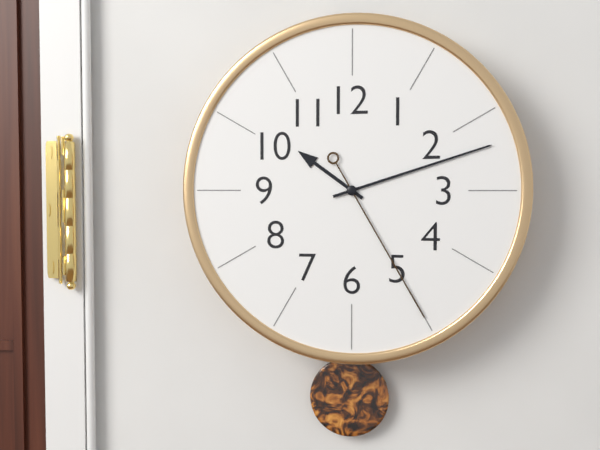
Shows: 10:12:25
